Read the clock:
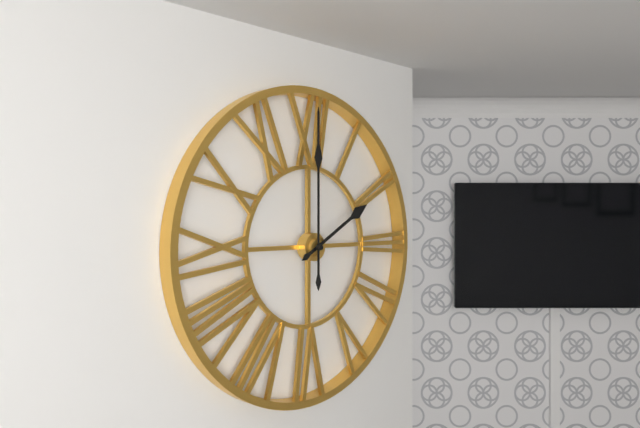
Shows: 2:00
